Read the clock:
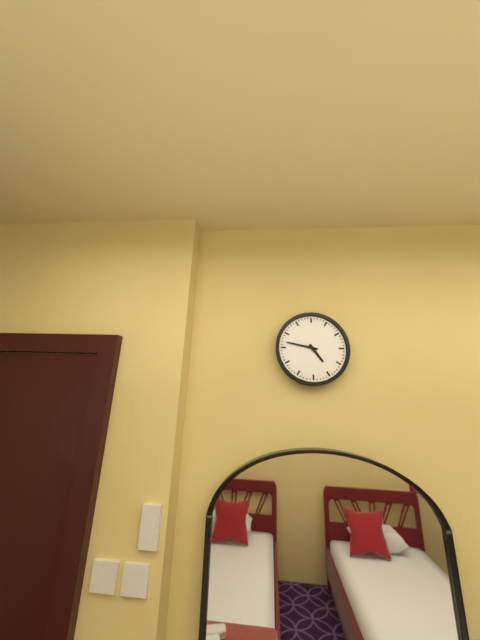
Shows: 4:47
